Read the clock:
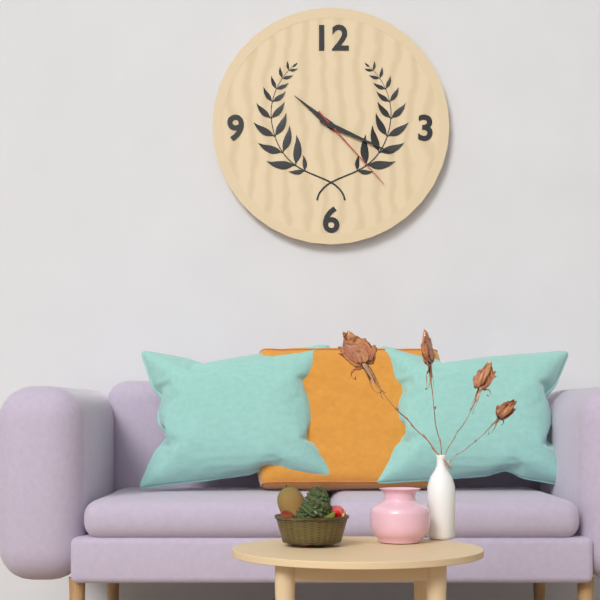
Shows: 10:19:23
